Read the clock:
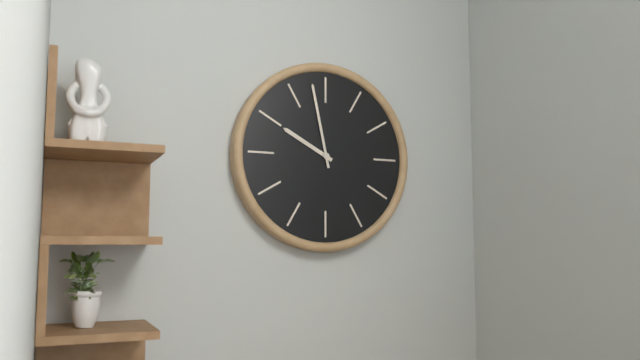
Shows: 9:58
